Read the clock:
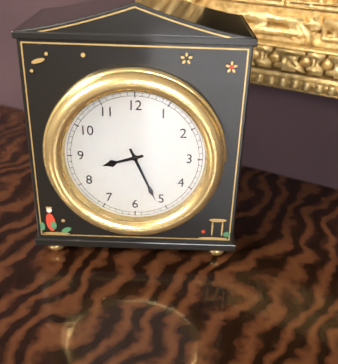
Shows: 8:26
